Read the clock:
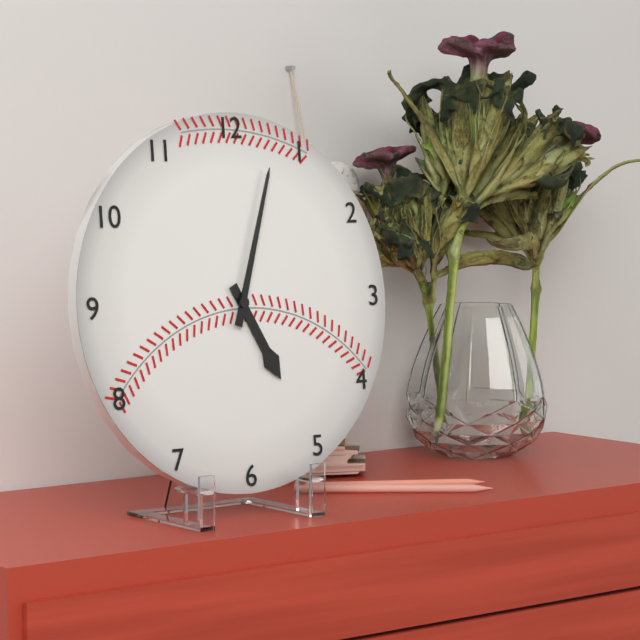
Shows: 5:03
